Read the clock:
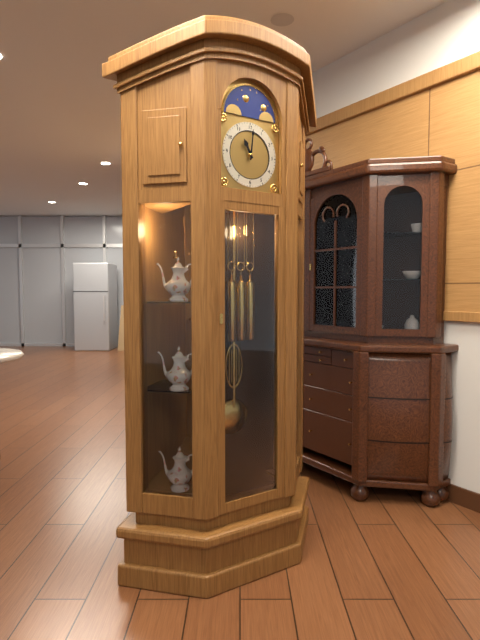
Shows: 11:01
